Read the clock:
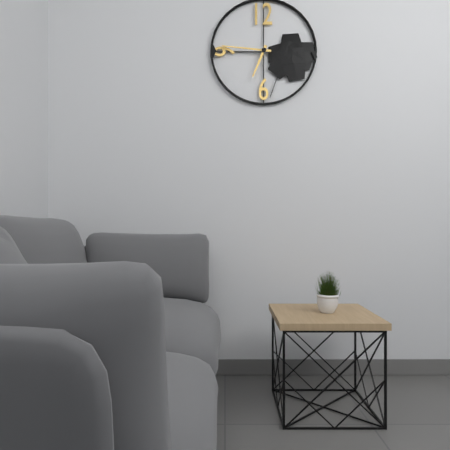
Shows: 6:46
